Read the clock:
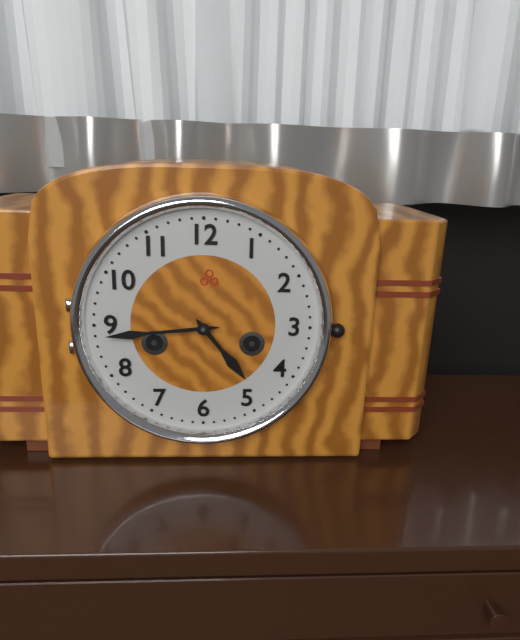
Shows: 4:44
